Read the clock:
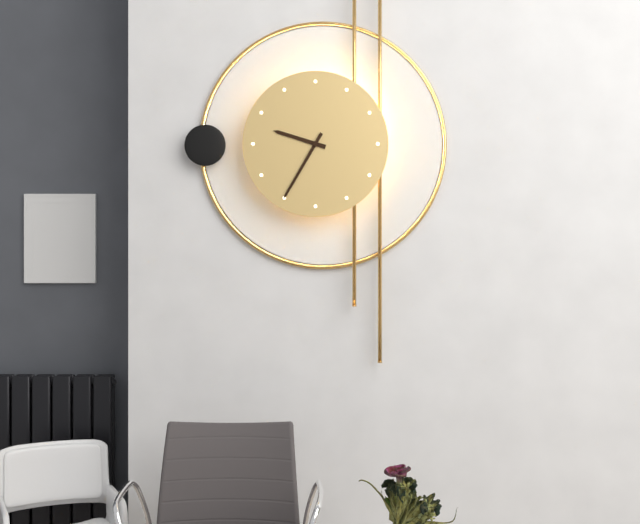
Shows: 9:35
